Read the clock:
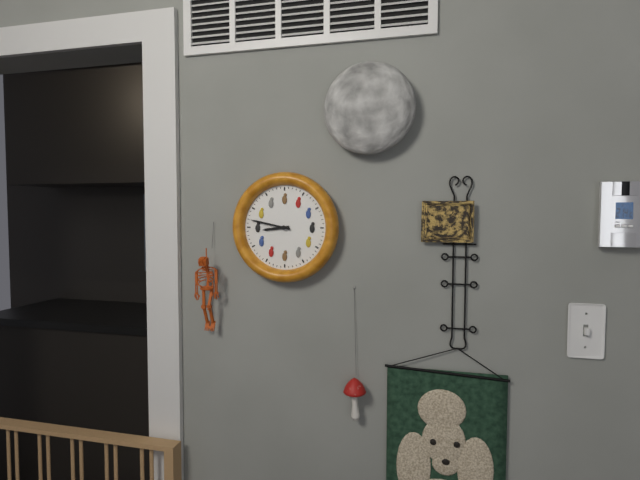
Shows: 8:47
